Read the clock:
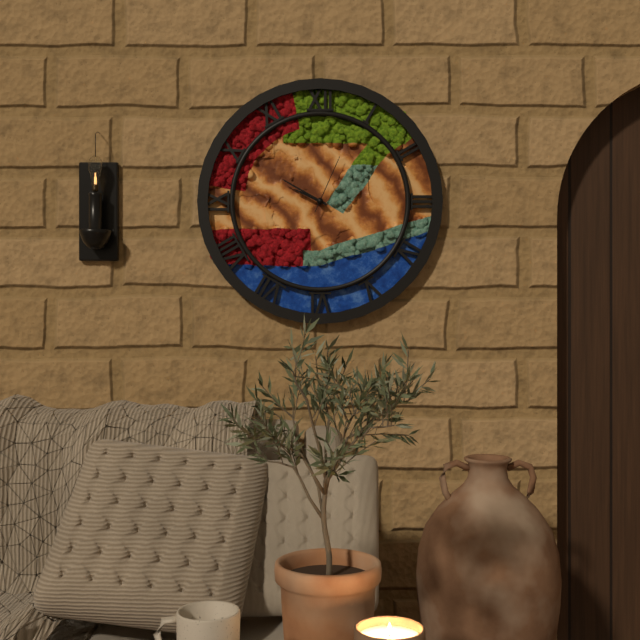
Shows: 9:50:04
